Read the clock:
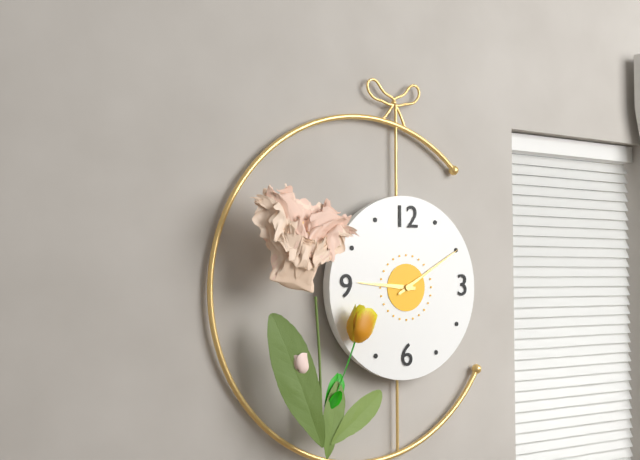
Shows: 9:10
